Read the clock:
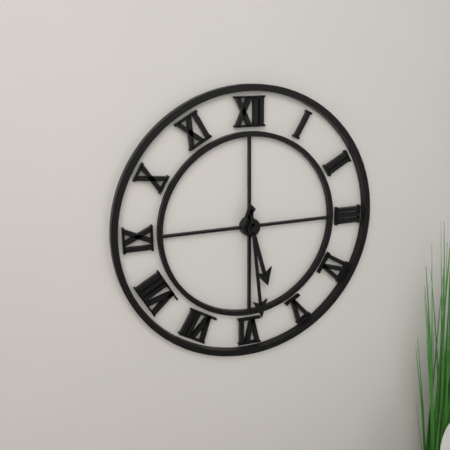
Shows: 5:29
